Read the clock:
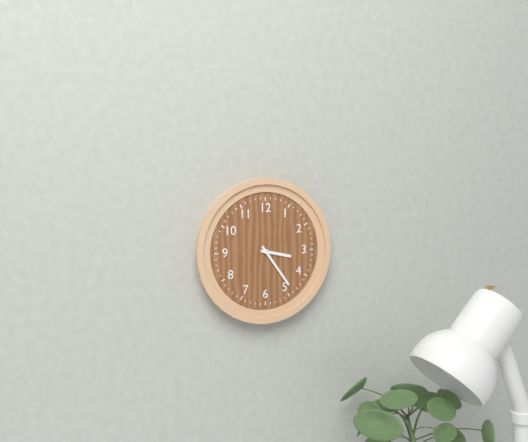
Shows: 3:24
